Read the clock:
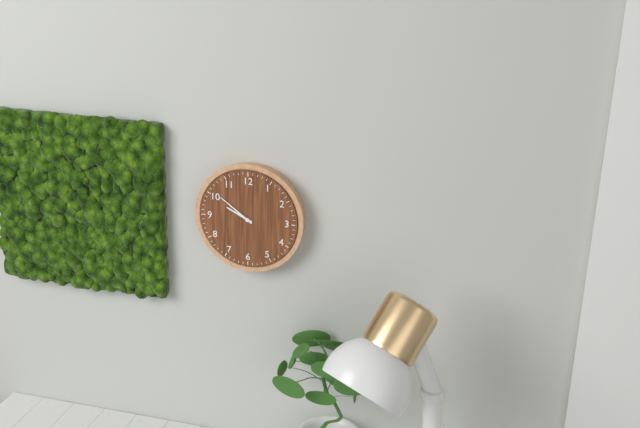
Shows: 9:51
